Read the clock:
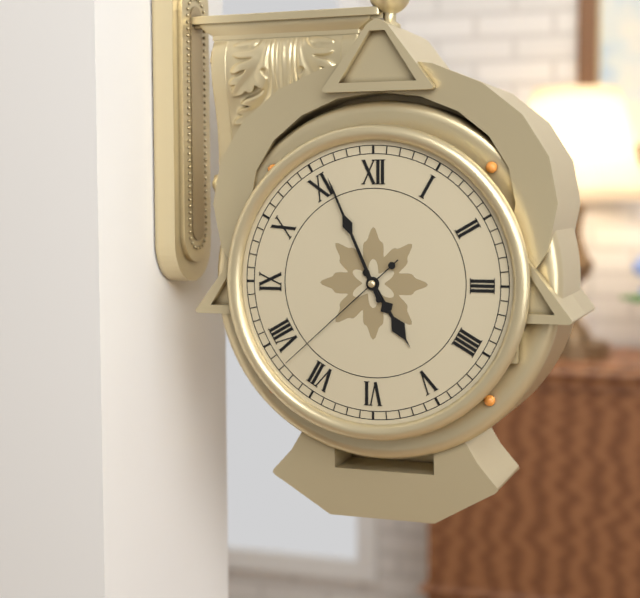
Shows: 4:56:38
